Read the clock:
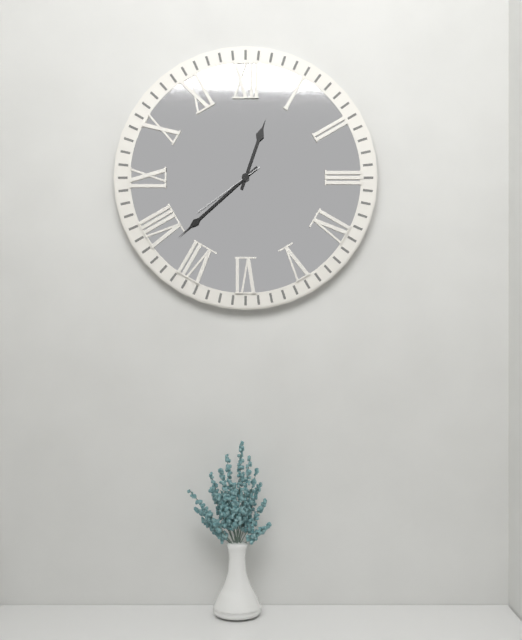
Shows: 12:38:39
